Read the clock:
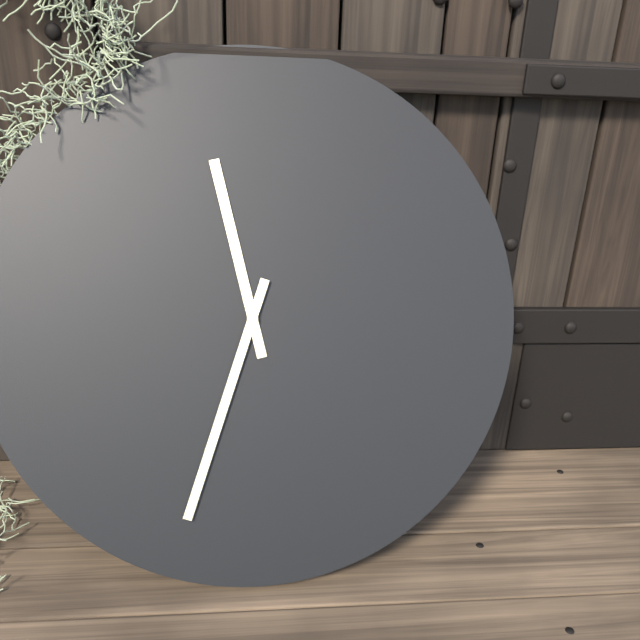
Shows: 11:33
